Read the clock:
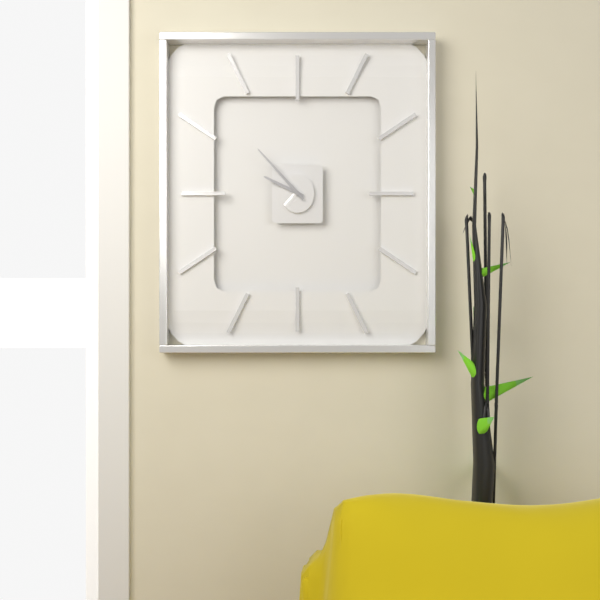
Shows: 9:53
